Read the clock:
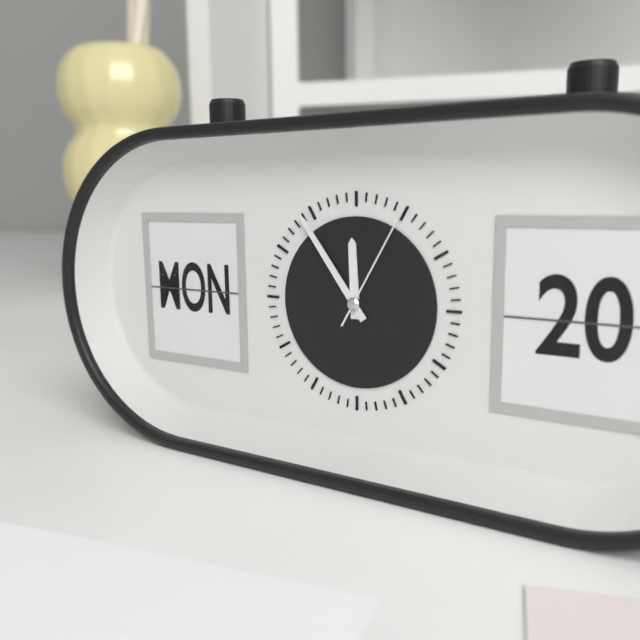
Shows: 11:54:05
